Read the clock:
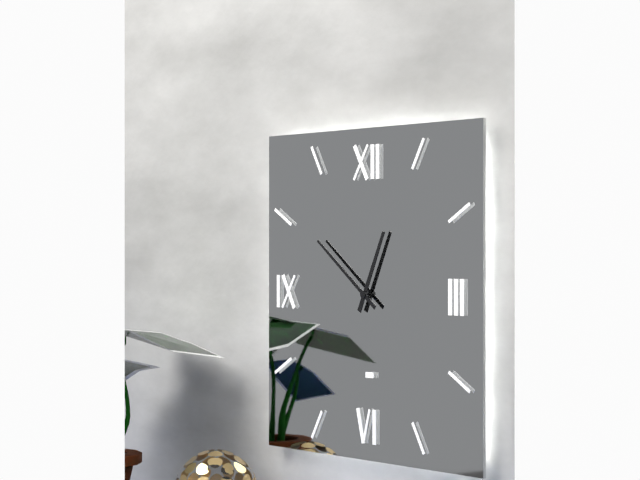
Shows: 12:51
